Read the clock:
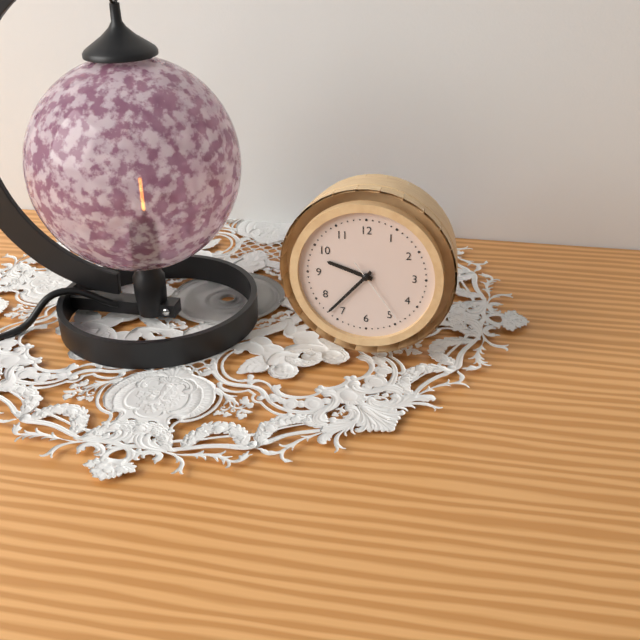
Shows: 9:37:24
